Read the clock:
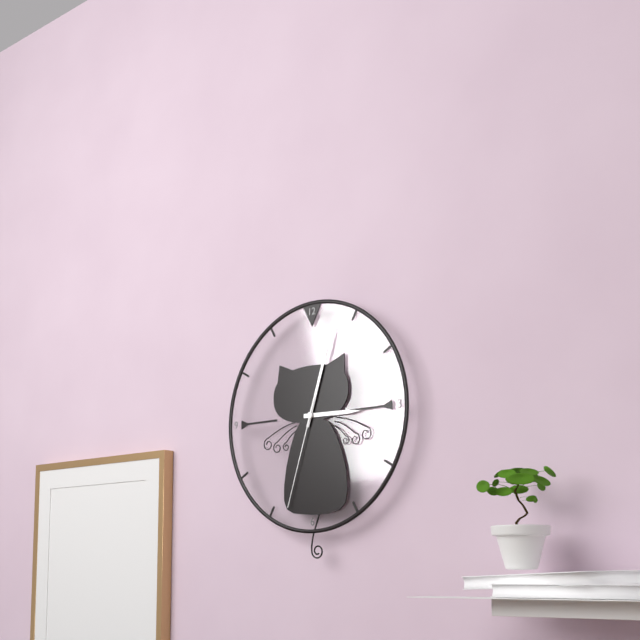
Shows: 3:03:33
